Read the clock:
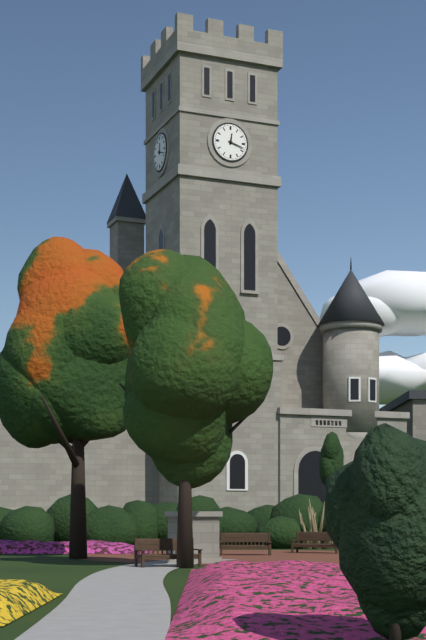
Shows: 12:18
